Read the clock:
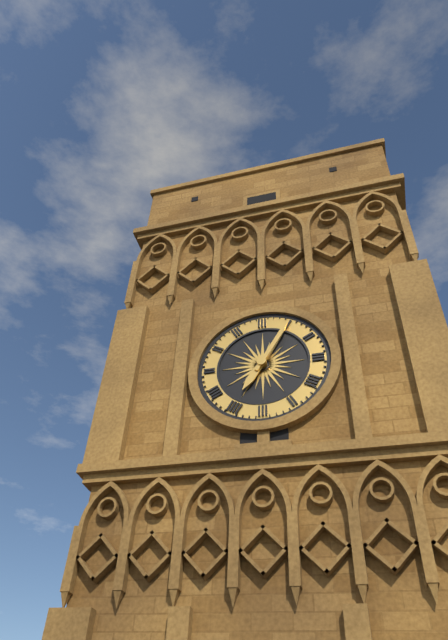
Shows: 7:05
